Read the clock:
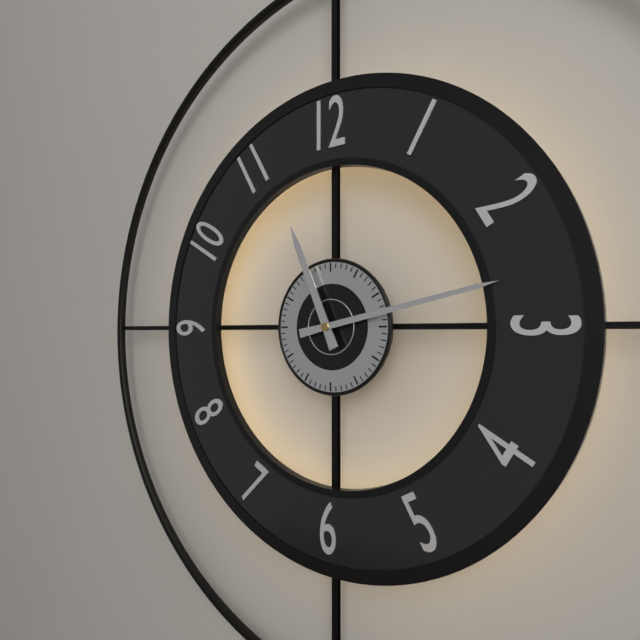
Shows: 11:13
